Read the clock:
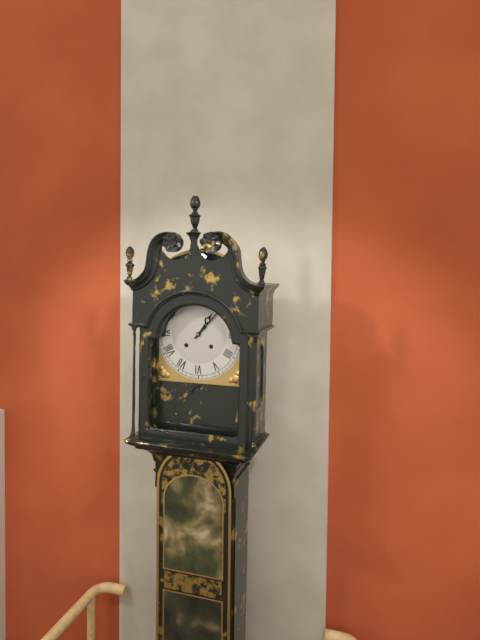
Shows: 1:07
